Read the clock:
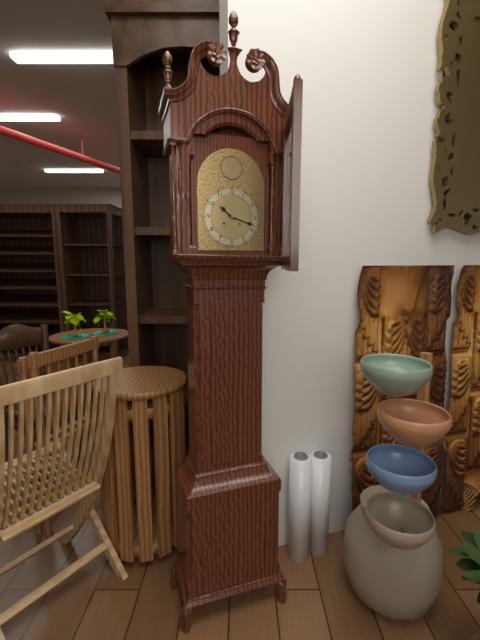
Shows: 10:18
